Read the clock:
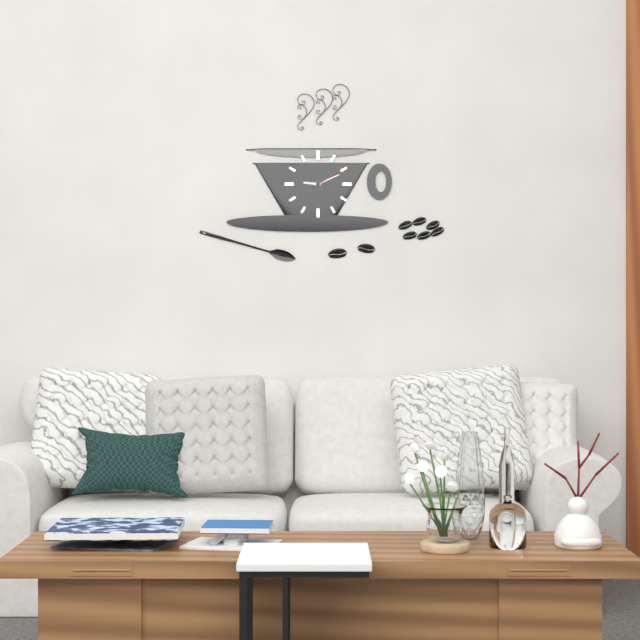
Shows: 9:11
